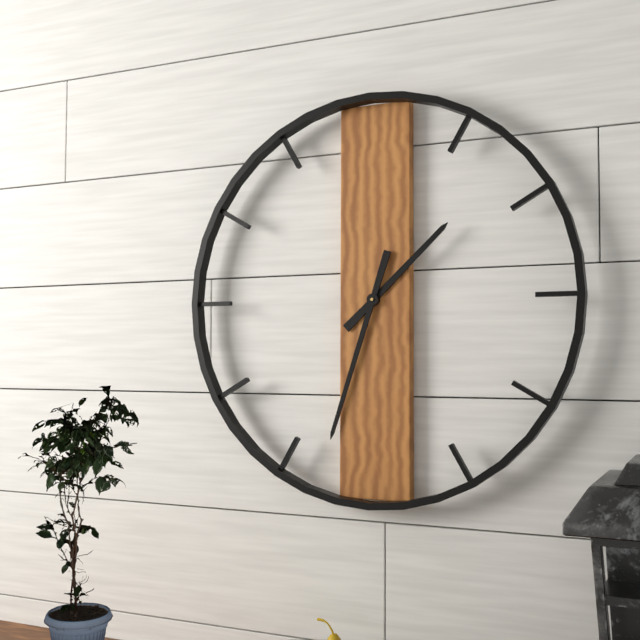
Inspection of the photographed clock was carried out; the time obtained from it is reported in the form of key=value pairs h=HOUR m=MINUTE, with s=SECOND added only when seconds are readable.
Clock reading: h=1 m=33
